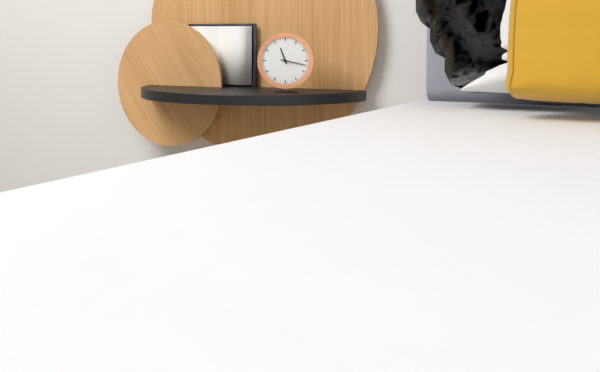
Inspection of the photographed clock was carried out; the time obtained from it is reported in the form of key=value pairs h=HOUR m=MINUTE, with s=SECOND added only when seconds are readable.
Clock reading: h=11 m=17
